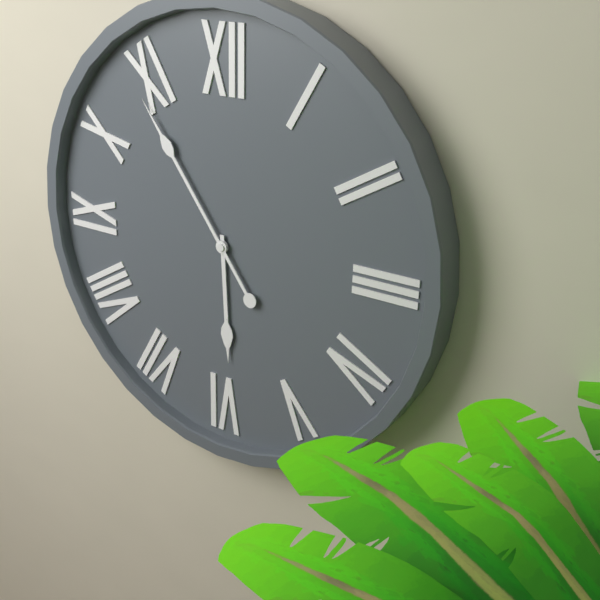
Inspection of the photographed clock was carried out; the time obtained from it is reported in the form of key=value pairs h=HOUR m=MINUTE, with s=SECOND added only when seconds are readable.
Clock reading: h=5 m=54
